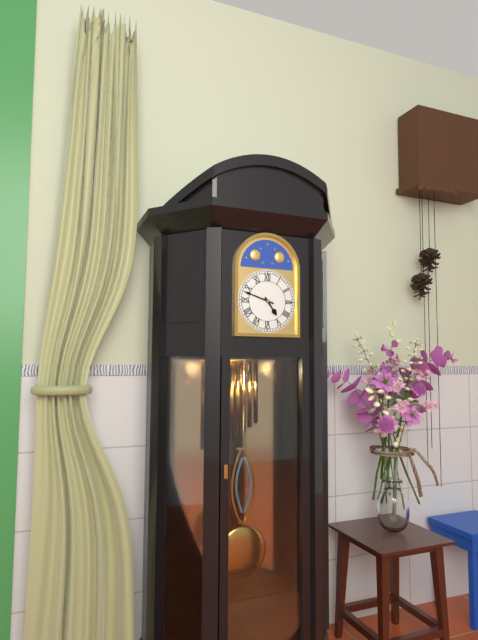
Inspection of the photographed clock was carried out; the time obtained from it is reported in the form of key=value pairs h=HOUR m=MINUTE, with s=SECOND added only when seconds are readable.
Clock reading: h=4 m=48
